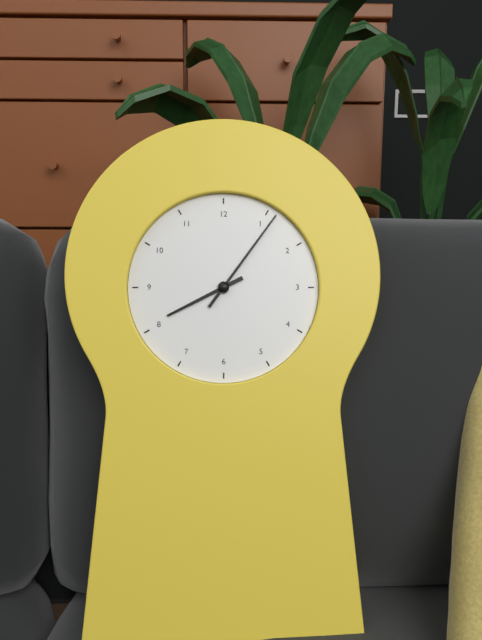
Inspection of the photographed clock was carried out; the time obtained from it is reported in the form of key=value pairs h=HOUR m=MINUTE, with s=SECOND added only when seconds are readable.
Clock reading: h=8 m=6
